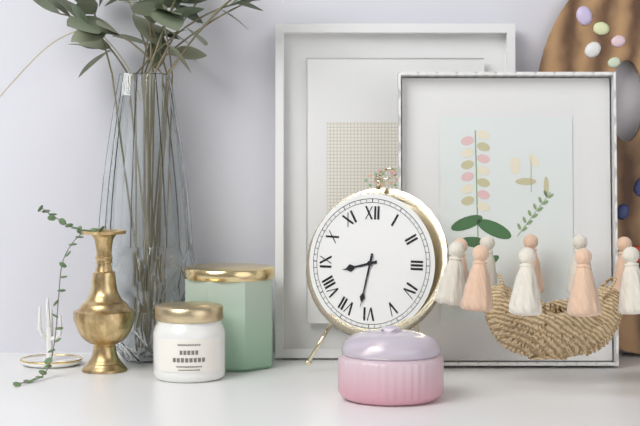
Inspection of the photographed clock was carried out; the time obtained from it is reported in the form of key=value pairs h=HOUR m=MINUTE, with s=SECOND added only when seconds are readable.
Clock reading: h=8 m=32
